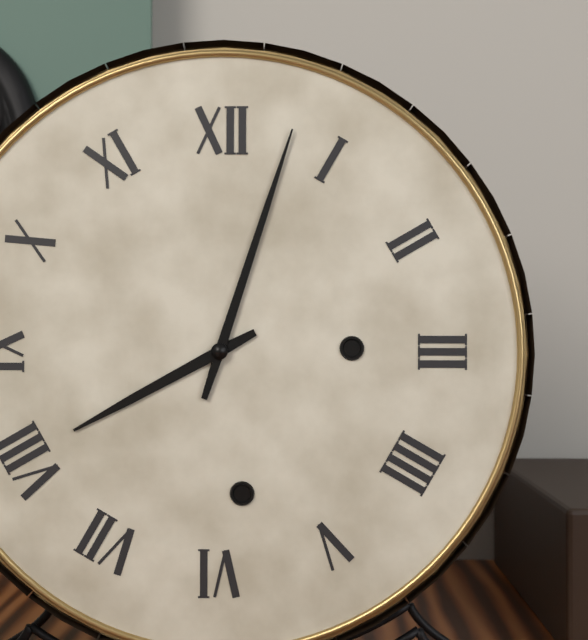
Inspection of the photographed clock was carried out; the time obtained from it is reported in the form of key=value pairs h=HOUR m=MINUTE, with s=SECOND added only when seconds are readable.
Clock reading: h=8 m=3
